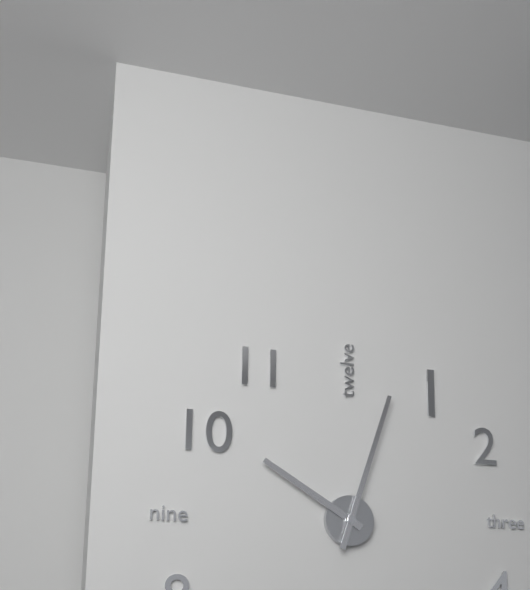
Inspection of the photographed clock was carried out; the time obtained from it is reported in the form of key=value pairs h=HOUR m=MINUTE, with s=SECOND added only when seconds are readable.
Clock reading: h=10 m=3
